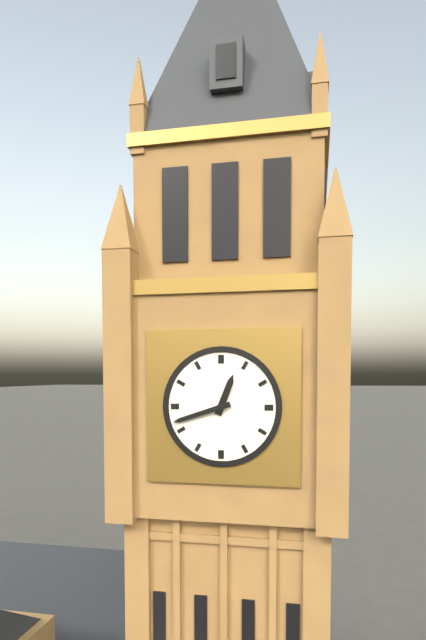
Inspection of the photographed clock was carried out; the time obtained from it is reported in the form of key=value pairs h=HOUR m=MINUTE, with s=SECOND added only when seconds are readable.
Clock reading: h=12 m=42
